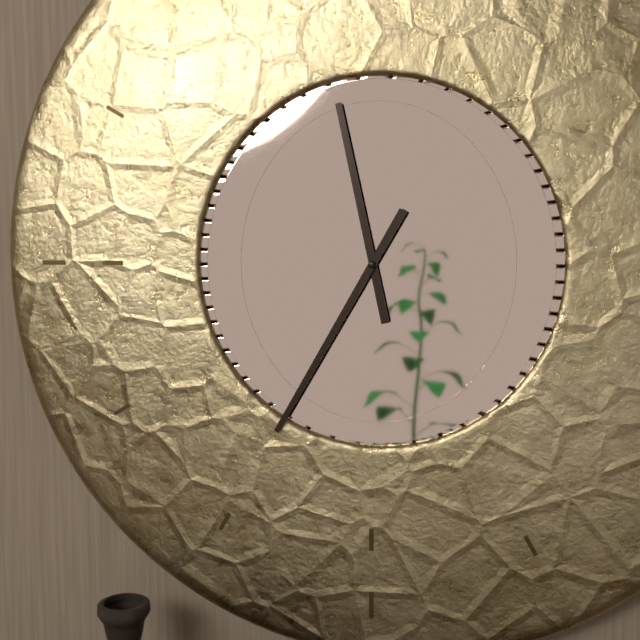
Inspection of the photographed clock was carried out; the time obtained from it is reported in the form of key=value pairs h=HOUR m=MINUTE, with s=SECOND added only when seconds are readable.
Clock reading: h=11 m=35
